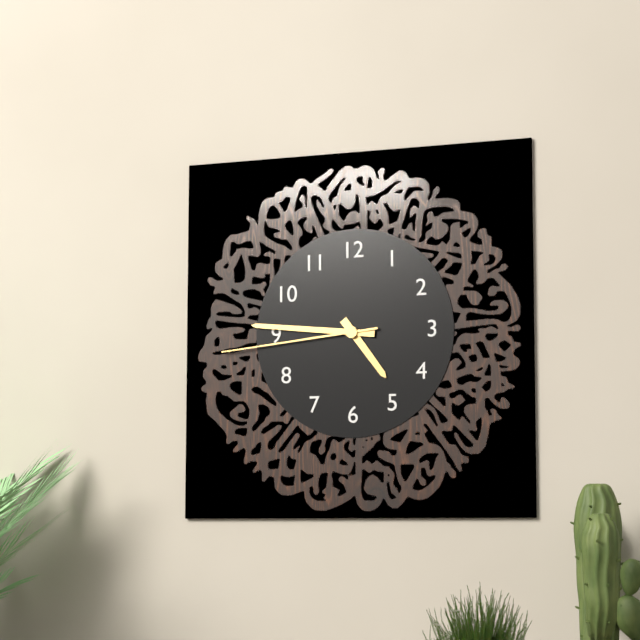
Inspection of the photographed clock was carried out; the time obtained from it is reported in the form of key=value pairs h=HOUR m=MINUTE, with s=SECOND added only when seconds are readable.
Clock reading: h=4 m=46 s=44
